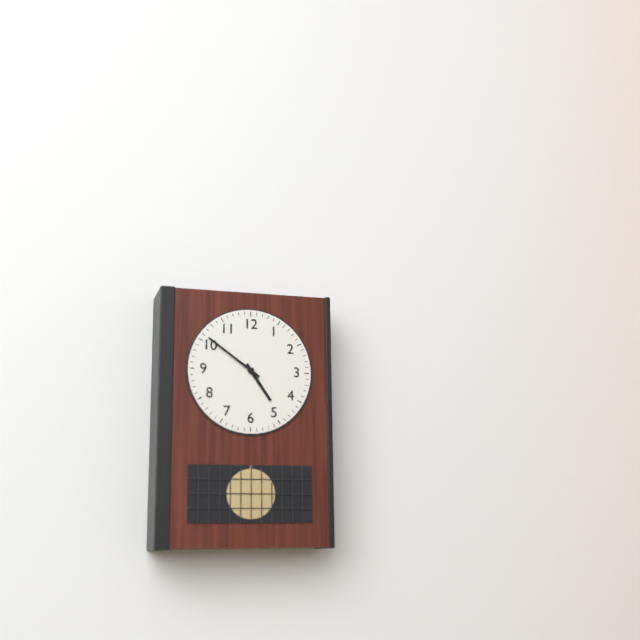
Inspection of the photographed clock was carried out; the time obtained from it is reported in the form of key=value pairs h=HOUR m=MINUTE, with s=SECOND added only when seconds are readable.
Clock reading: h=4 m=51
